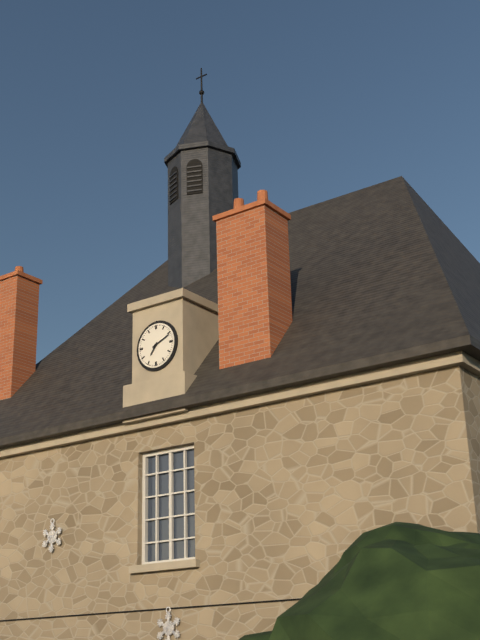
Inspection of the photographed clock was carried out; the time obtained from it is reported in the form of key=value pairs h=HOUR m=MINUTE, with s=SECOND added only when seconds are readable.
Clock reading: h=7 m=11
